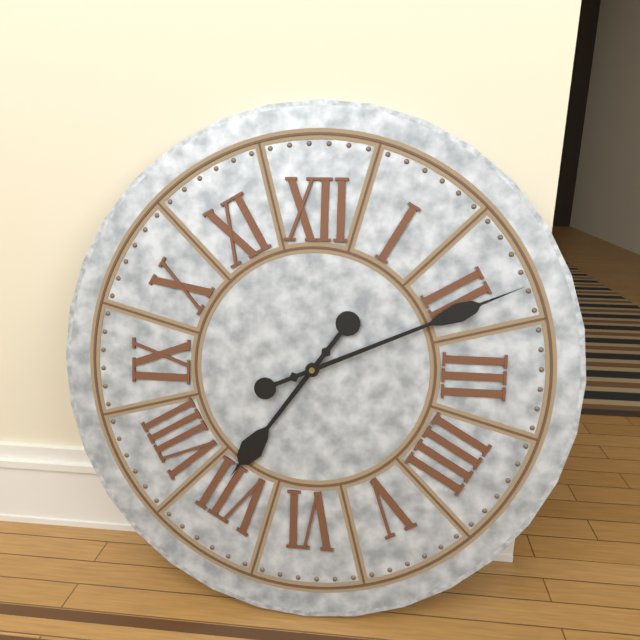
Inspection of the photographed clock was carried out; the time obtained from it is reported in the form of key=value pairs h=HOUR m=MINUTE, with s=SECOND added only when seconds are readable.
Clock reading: h=7 m=11
